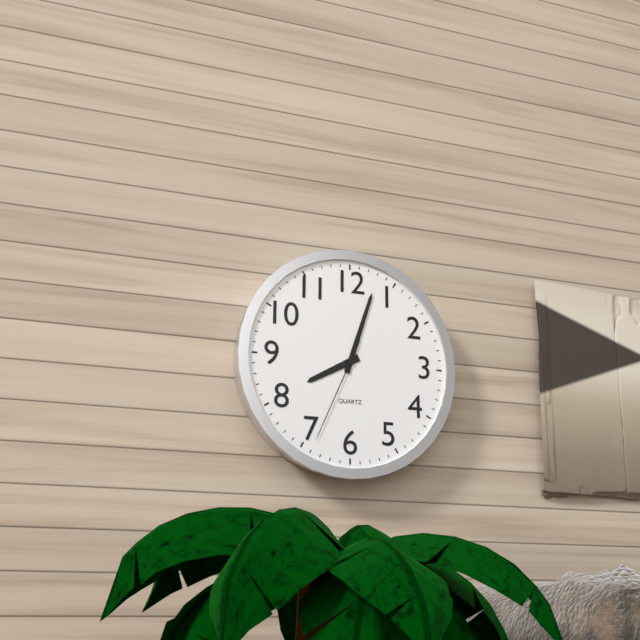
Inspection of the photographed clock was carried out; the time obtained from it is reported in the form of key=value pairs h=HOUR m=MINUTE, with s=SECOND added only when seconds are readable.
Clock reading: h=8 m=3 s=34
